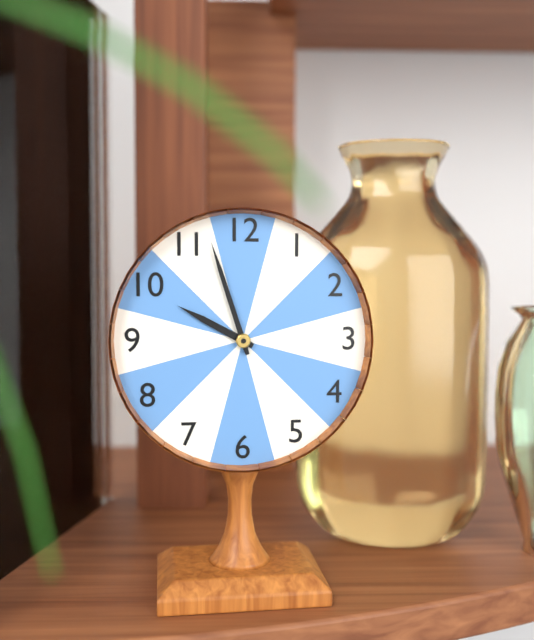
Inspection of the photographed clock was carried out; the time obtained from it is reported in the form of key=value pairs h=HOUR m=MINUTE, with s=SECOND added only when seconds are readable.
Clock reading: h=9 m=57
